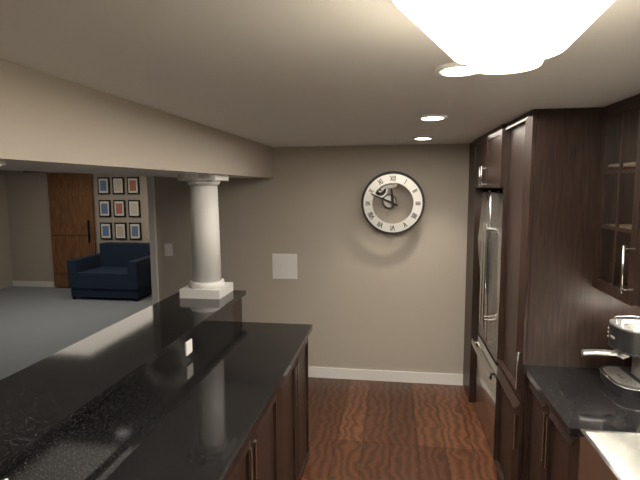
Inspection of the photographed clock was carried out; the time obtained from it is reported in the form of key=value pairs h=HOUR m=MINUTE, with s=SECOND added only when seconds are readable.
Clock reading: h=11 m=49
